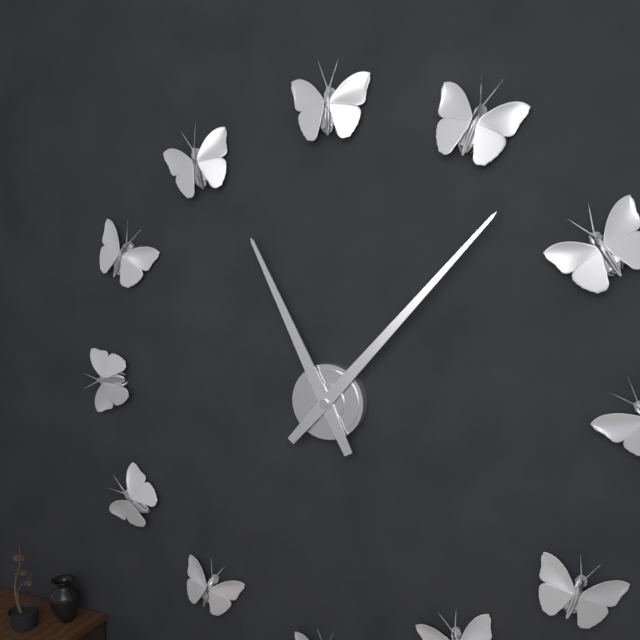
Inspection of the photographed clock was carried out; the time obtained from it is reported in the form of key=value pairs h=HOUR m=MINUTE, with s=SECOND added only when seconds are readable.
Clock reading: h=11 m=7
